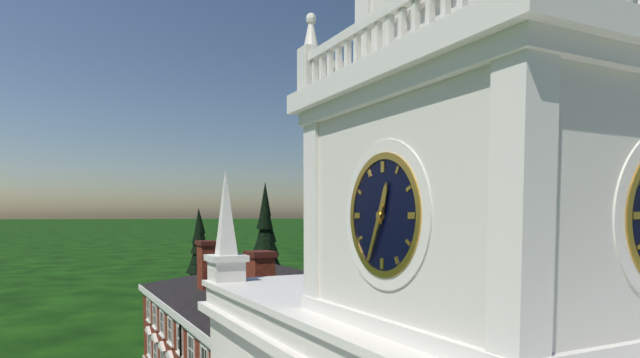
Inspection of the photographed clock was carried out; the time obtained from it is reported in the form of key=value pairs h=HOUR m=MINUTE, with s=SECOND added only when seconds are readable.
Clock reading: h=12 m=34
